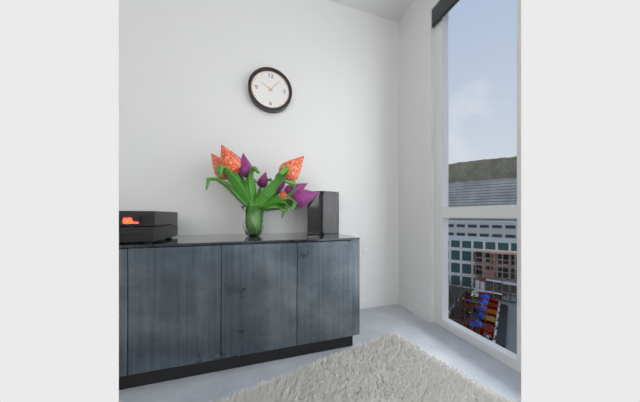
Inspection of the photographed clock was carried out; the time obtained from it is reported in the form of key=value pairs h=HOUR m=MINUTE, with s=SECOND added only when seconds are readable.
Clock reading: h=10 m=7
